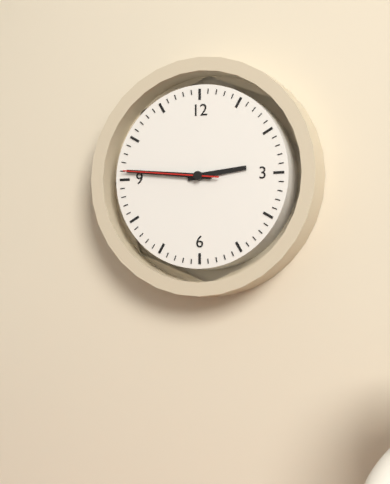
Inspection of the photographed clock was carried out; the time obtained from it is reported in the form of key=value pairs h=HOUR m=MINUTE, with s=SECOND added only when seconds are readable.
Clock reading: h=2 m=46 s=46
